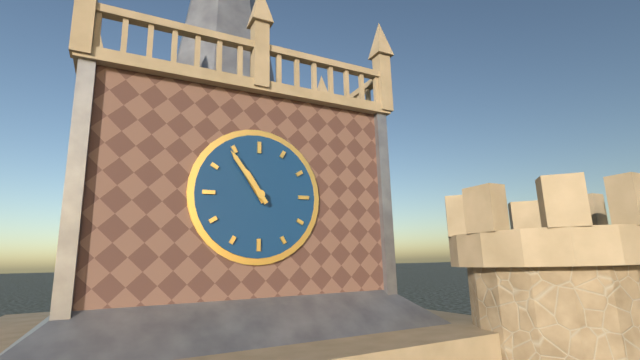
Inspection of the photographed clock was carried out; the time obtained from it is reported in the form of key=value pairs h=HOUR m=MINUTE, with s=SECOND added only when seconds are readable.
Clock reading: h=10 m=54
